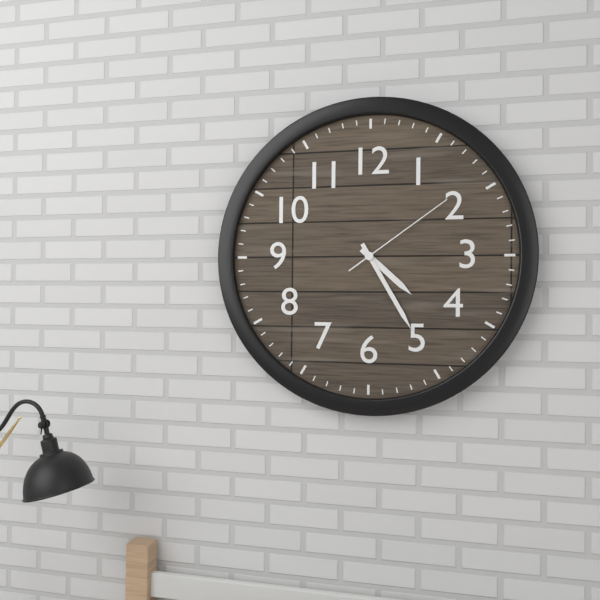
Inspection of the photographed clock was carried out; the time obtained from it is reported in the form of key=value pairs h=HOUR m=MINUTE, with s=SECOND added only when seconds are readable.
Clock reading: h=4 m=25 s=9
